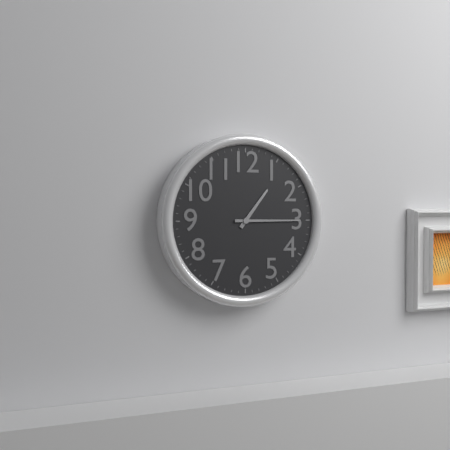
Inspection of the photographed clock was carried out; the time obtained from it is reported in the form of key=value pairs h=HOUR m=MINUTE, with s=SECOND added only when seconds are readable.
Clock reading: h=1 m=15
